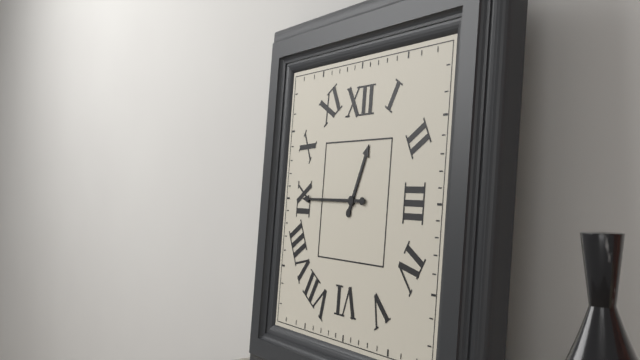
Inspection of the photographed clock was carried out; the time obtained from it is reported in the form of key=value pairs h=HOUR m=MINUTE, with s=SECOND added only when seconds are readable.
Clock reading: h=12 m=45
